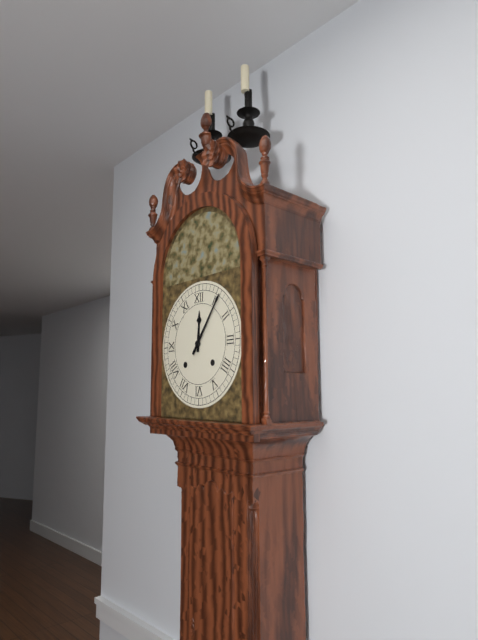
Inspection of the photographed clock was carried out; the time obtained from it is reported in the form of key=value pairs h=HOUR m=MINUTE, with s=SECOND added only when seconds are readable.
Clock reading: h=12 m=6
